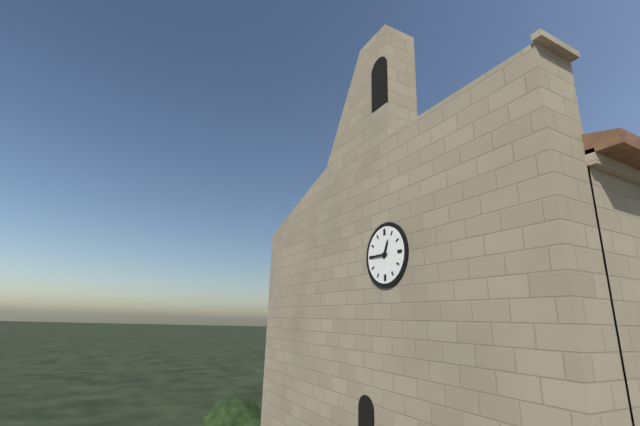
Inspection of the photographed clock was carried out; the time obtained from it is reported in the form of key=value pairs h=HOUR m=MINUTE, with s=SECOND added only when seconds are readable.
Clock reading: h=12 m=45
